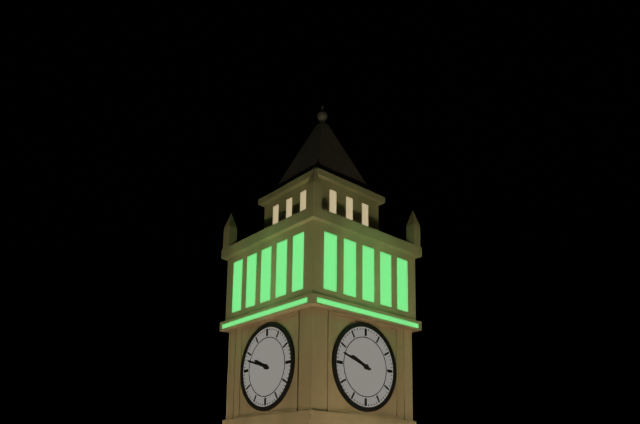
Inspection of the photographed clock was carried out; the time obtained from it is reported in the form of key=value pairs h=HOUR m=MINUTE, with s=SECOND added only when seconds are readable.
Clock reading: h=9 m=48
